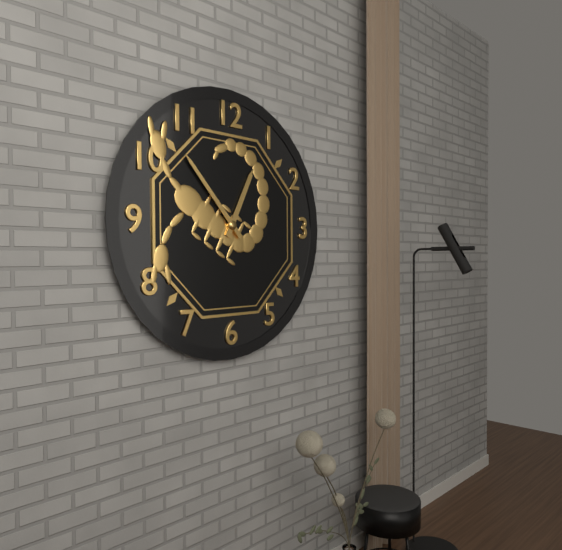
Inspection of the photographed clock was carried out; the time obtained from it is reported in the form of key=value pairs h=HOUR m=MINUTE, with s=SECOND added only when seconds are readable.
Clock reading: h=12 m=53
